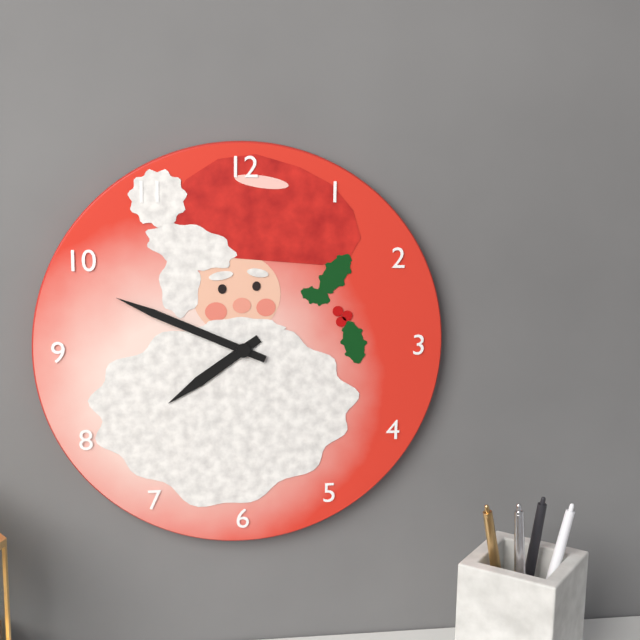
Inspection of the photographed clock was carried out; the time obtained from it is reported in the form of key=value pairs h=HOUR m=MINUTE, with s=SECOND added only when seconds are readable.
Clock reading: h=7 m=49
